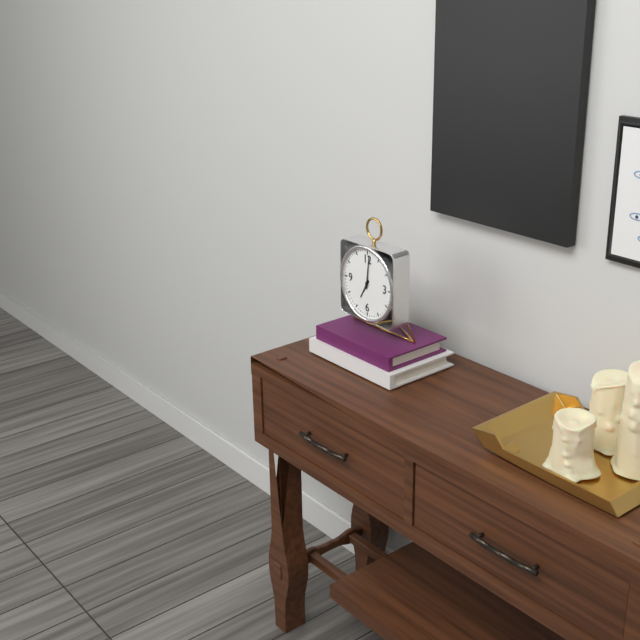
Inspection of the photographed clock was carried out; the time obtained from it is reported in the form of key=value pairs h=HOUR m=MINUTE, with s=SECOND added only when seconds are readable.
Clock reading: h=7 m=1
